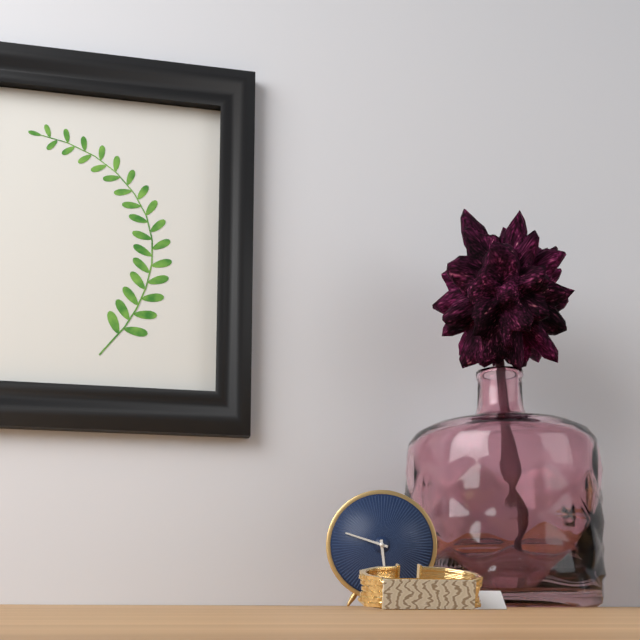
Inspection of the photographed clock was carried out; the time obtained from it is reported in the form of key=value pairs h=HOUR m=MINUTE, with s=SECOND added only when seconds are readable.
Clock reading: h=5 m=48
